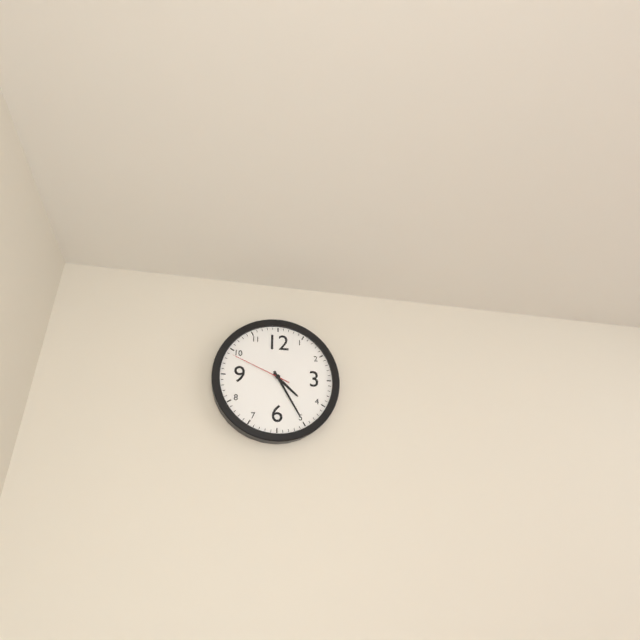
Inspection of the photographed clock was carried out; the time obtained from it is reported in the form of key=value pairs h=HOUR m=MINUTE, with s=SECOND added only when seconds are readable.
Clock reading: h=4 m=25 s=49
